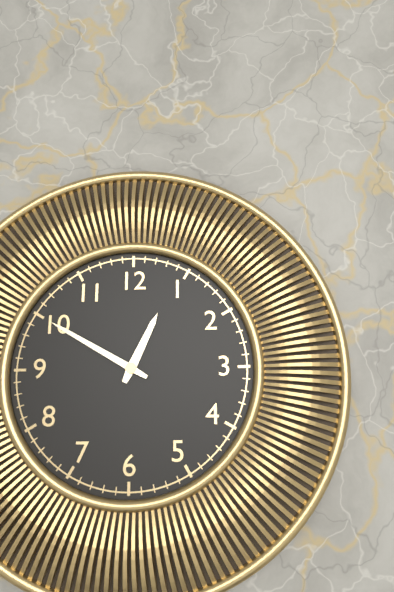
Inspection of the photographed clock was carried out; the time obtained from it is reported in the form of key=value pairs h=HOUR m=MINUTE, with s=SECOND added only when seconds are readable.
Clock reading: h=12 m=50
